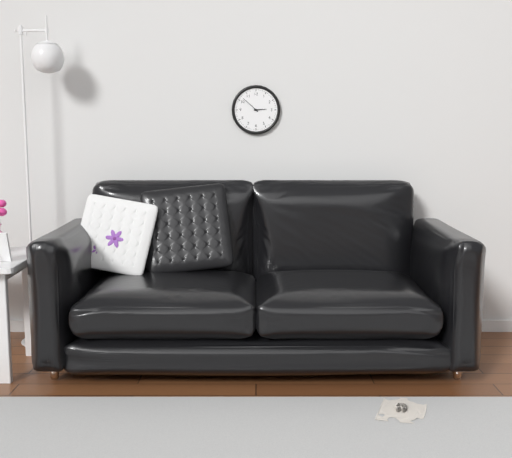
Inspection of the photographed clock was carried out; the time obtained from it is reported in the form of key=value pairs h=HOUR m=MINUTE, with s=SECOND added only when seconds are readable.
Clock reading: h=2 m=52
